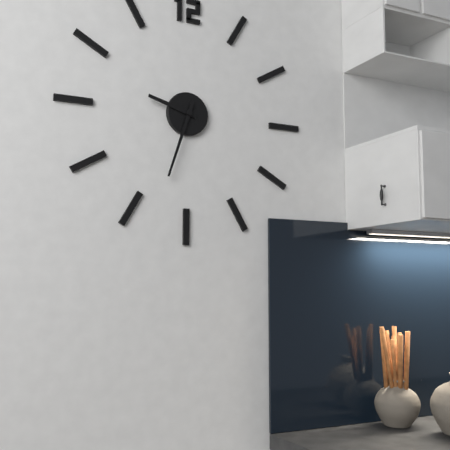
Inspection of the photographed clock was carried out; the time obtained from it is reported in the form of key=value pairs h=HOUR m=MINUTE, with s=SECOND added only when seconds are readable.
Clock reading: h=9 m=33
